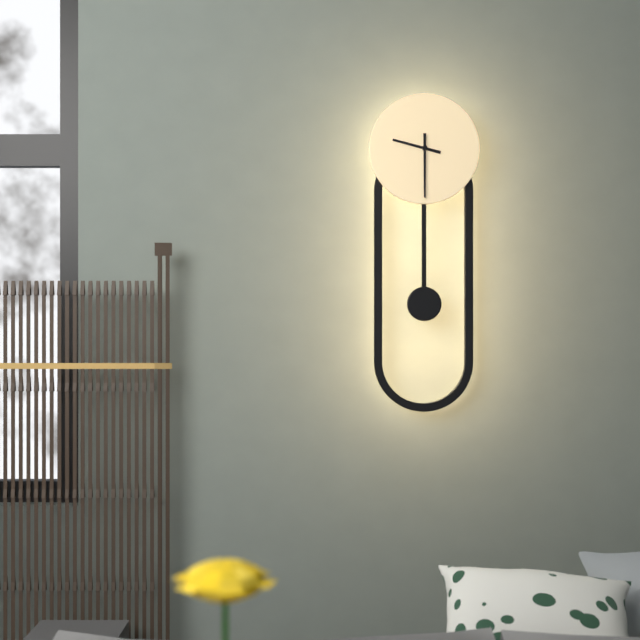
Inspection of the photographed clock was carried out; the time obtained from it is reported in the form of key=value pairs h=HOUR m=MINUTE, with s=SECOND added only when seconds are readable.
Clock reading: h=9 m=30
